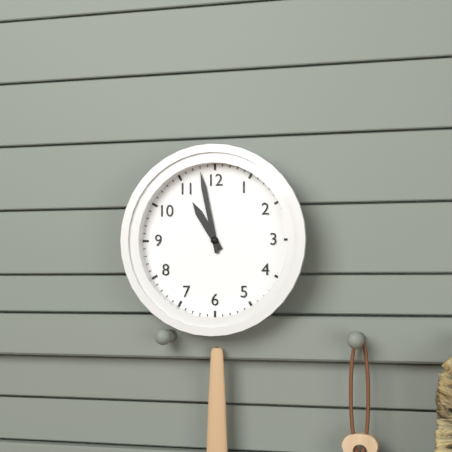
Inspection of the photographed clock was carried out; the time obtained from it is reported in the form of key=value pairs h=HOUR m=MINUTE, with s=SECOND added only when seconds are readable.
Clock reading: h=10 m=58
